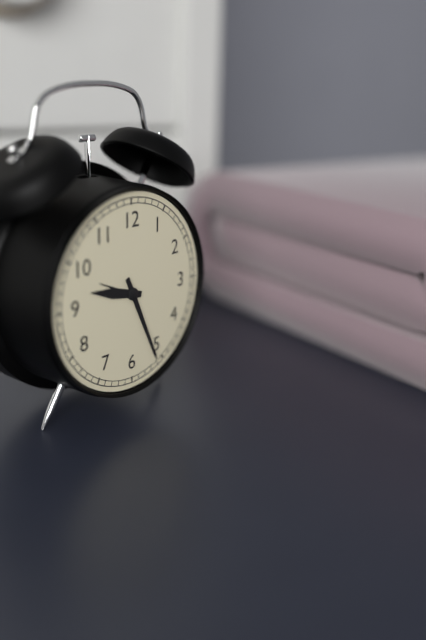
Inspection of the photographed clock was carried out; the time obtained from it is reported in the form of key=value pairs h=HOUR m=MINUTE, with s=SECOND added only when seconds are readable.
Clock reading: h=9 m=26
